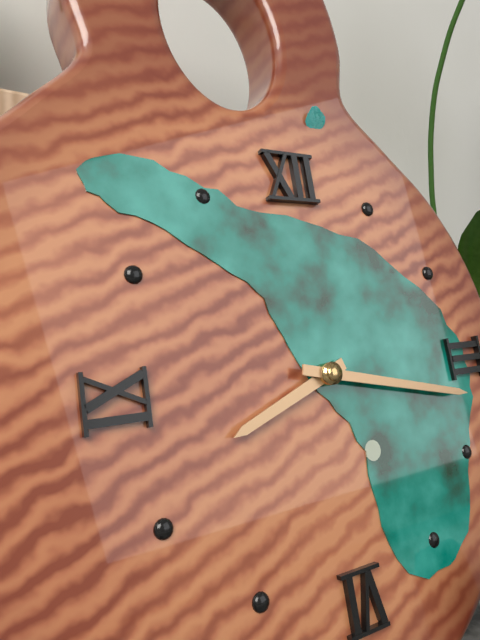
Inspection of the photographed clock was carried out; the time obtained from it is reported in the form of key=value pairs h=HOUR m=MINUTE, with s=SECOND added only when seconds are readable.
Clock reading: h=8 m=17
